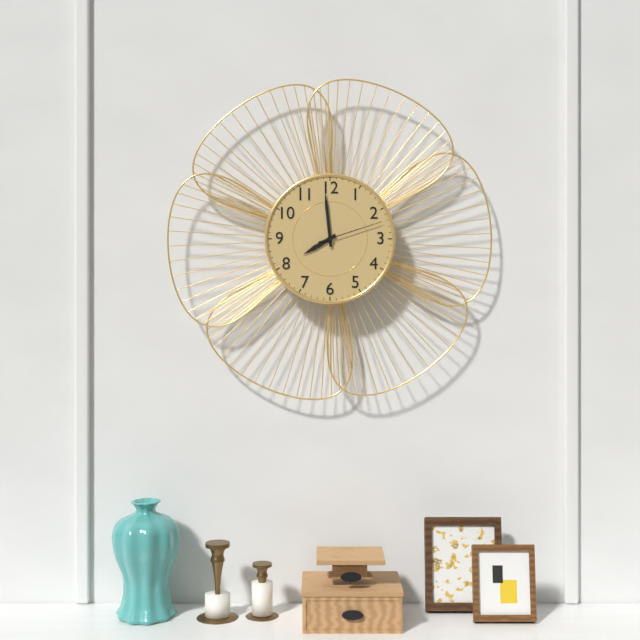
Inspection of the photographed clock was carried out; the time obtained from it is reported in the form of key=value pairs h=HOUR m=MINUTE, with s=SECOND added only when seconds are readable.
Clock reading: h=7 m=59 s=12
